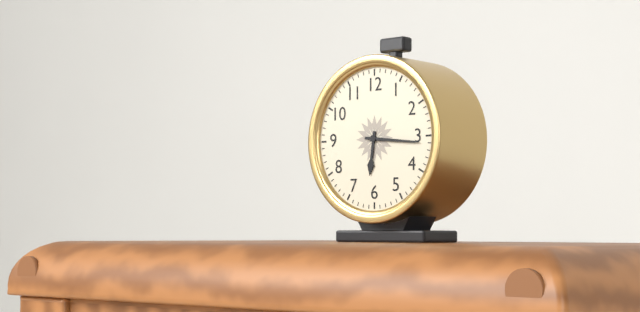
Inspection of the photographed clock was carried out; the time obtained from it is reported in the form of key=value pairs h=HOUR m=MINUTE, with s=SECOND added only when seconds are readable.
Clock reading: h=6 m=16
